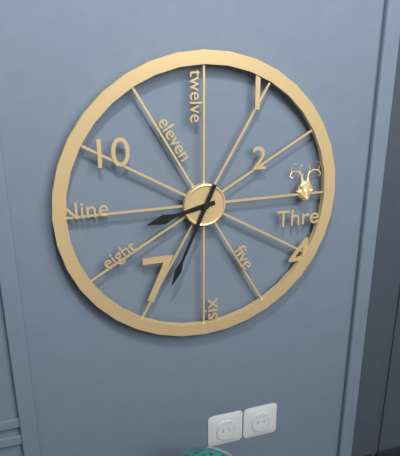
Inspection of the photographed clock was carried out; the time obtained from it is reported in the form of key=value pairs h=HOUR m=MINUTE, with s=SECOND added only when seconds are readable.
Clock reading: h=8 m=34
